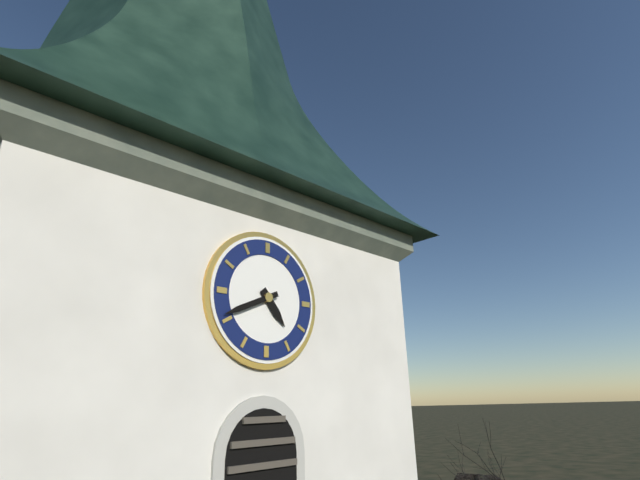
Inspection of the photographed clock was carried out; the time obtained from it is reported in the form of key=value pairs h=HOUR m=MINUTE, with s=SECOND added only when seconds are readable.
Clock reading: h=4 m=41
